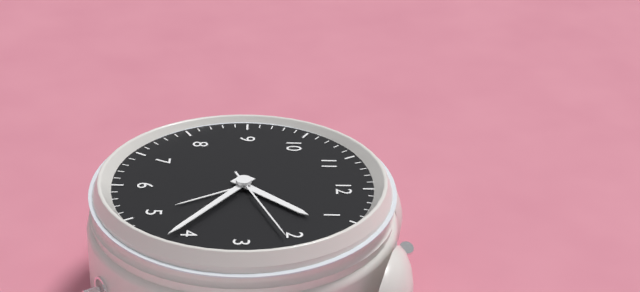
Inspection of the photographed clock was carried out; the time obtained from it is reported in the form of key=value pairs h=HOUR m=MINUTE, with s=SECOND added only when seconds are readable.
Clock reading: h=1 m=21 s=11
